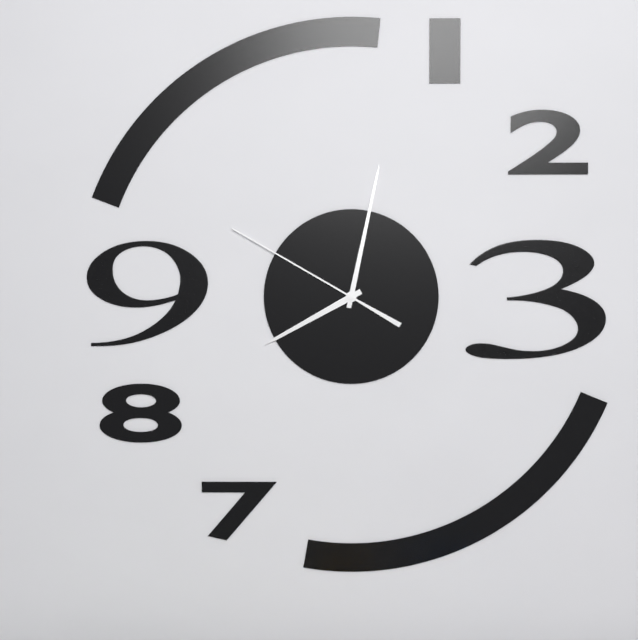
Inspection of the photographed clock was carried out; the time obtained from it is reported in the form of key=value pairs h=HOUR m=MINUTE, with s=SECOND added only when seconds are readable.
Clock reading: h=8 m=2 s=50
